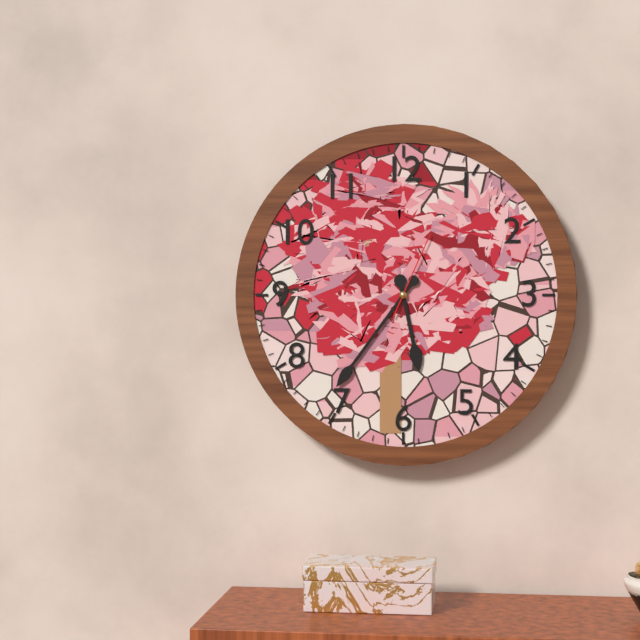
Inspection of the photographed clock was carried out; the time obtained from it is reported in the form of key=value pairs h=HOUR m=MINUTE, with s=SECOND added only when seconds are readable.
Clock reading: h=5 m=36 s=4
